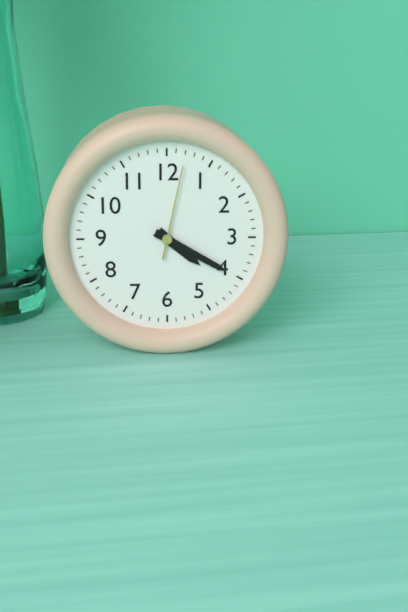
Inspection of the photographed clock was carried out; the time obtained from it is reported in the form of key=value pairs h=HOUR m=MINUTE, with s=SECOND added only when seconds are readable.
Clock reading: h=4 m=20 s=2
